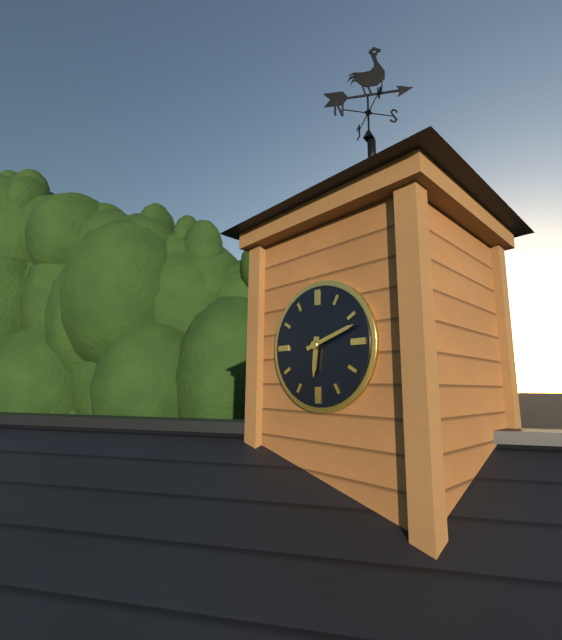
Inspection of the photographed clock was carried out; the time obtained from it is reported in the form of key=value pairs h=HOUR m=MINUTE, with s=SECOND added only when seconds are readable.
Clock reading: h=6 m=12
